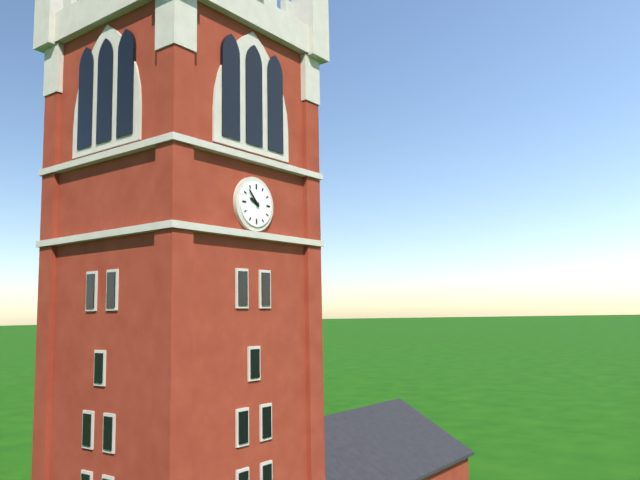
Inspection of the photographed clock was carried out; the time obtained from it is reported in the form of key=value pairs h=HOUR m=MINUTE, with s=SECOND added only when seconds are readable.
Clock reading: h=9 m=53
